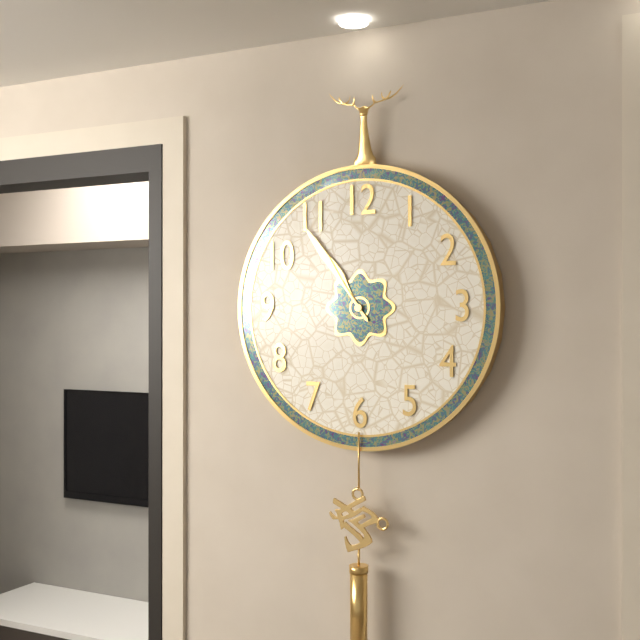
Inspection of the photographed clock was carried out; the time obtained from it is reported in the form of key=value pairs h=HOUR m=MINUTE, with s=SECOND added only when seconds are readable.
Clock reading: h=10 m=54
